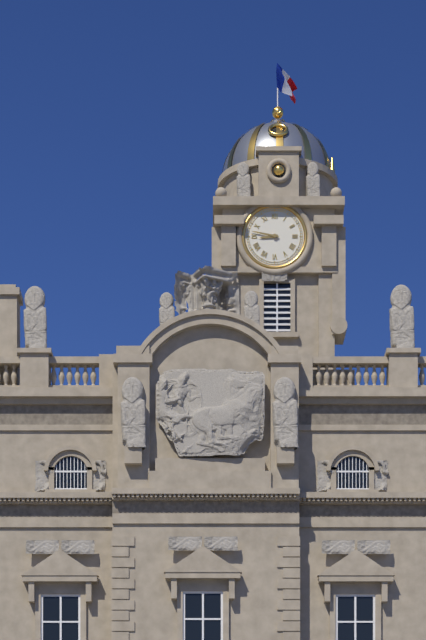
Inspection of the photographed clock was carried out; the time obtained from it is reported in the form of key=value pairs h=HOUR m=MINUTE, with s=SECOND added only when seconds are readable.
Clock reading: h=8 m=47
